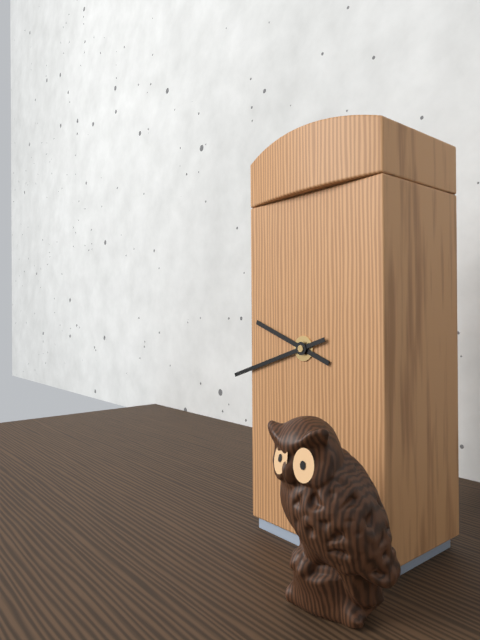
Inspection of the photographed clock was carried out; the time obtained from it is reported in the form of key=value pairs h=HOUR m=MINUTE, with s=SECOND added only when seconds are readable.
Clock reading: h=9 m=42
